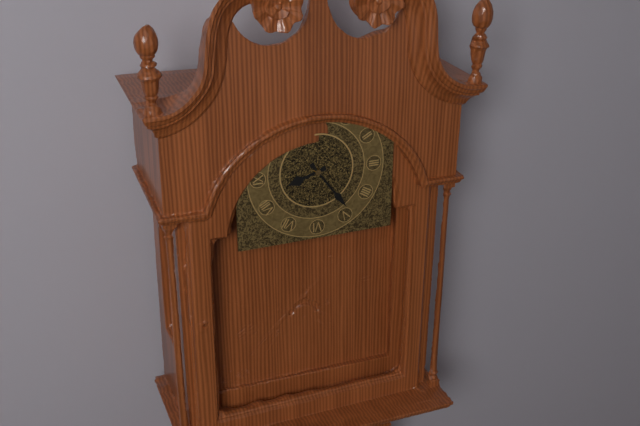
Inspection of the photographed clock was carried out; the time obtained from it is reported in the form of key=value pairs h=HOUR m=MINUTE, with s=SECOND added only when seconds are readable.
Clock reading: h=8 m=24
